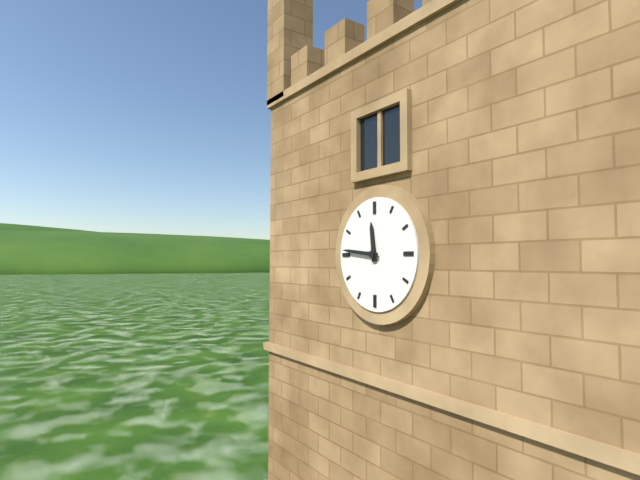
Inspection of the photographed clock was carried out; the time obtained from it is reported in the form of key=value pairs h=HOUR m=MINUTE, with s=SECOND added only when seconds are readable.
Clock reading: h=11 m=46
